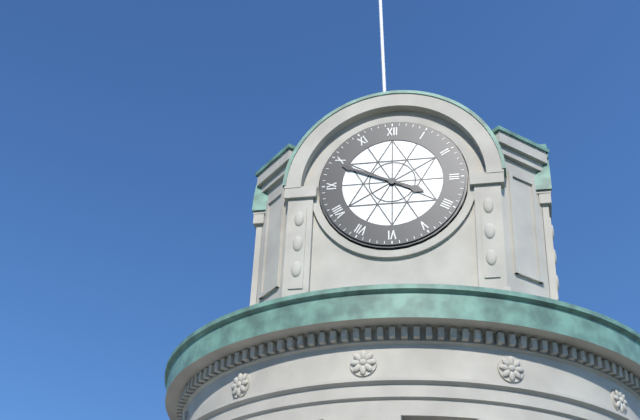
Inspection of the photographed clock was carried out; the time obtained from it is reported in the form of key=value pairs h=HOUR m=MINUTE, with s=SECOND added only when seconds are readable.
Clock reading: h=3 m=49
